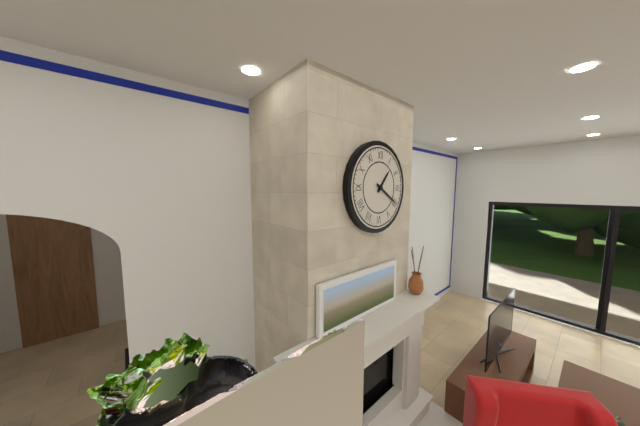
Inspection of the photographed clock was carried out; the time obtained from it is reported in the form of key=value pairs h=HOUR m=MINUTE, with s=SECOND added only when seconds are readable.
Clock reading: h=1 m=20
